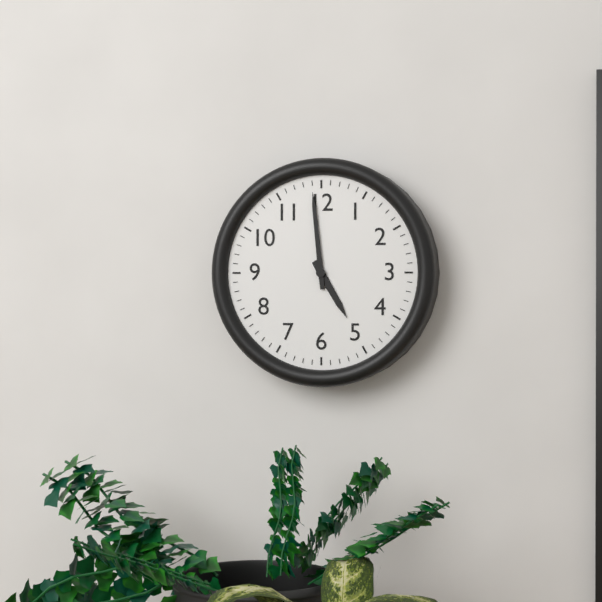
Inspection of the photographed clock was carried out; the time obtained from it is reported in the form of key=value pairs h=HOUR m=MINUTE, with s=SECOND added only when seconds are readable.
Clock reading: h=4 m=59
